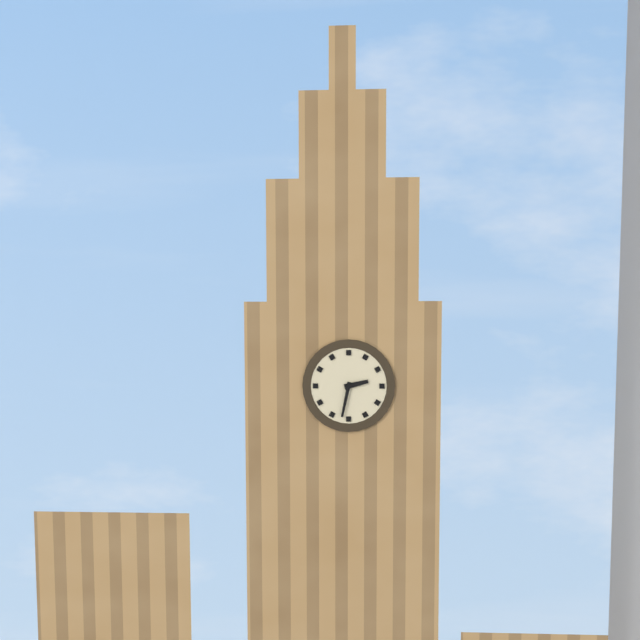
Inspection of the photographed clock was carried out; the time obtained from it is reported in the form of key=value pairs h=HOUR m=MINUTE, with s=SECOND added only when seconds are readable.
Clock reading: h=2 m=32
